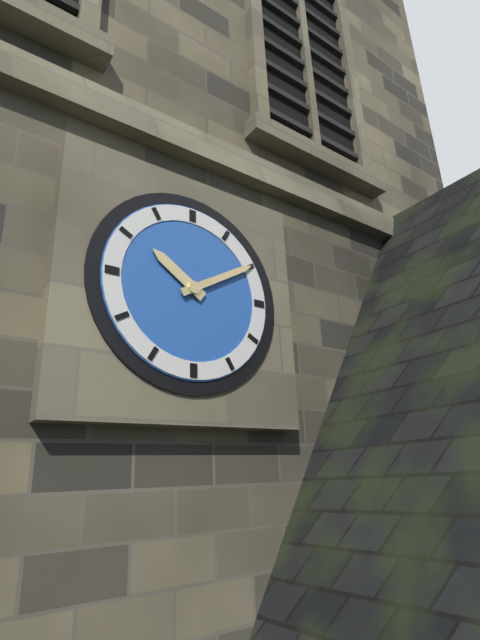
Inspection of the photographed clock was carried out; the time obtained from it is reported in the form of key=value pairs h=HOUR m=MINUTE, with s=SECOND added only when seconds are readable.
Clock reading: h=10 m=10
